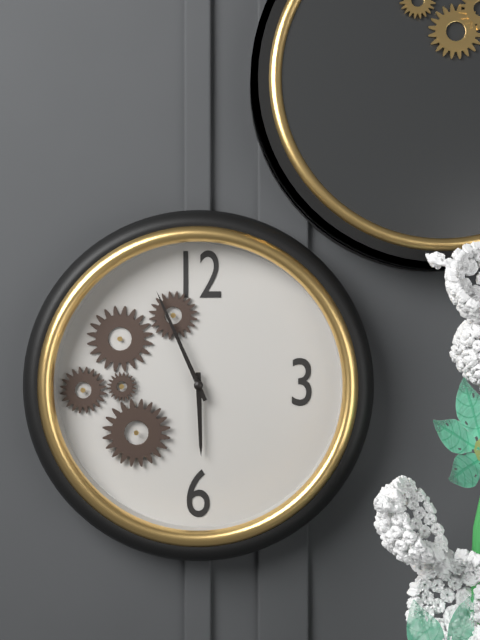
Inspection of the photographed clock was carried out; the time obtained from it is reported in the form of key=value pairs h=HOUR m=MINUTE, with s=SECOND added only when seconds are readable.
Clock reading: h=5 m=56
